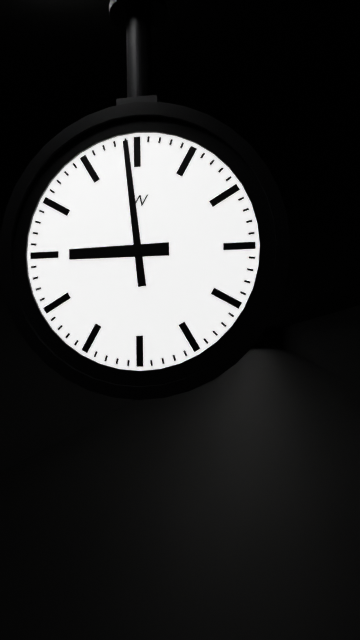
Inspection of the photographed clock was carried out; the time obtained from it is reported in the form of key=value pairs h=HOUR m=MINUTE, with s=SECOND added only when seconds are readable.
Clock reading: h=8 m=59
